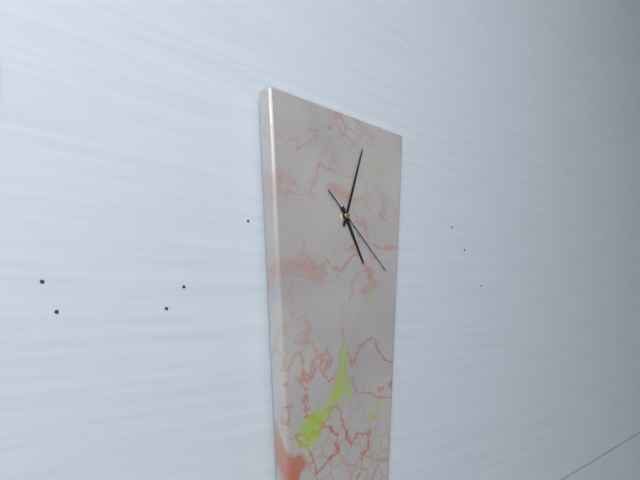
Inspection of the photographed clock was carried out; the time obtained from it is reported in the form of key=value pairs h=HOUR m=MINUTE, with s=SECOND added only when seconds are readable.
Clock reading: h=5 m=3 s=22
